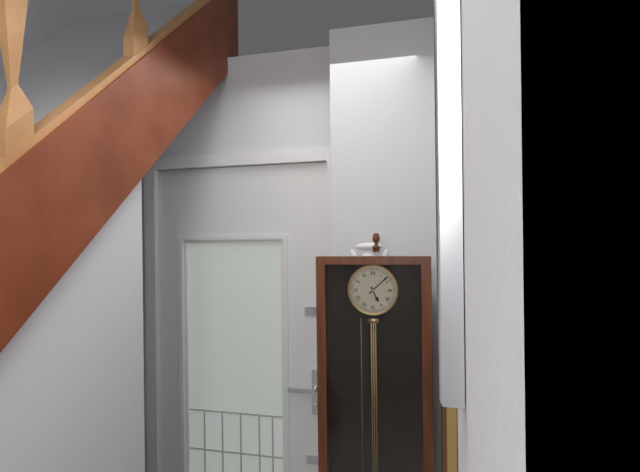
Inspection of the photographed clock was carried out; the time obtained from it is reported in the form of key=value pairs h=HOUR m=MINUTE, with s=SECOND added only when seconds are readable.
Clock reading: h=5 m=8
